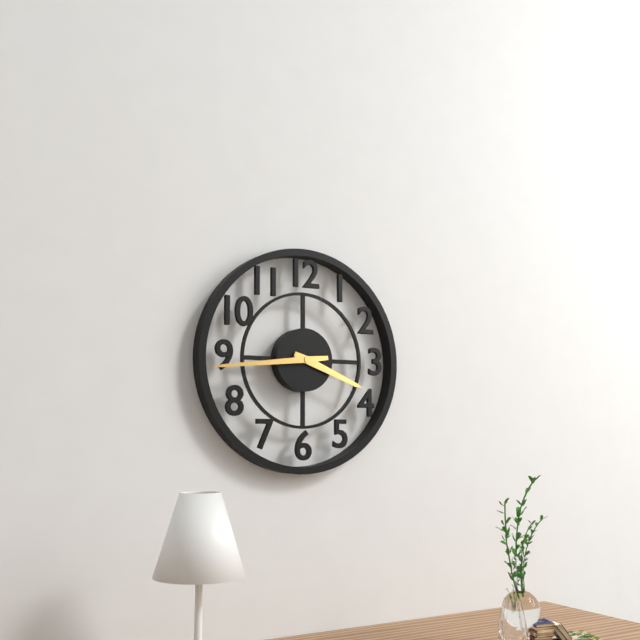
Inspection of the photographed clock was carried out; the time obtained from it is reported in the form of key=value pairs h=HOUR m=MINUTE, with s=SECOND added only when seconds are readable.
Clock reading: h=3 m=44
